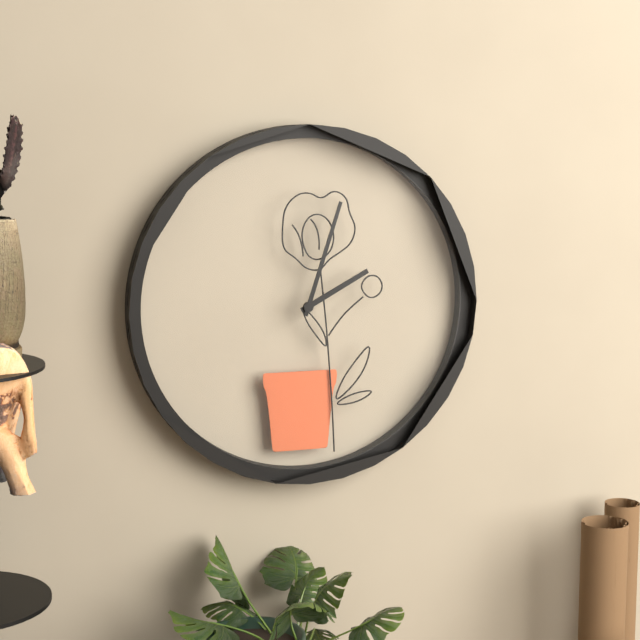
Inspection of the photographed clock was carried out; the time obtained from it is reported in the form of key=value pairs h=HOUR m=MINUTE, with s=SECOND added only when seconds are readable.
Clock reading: h=2 m=3
